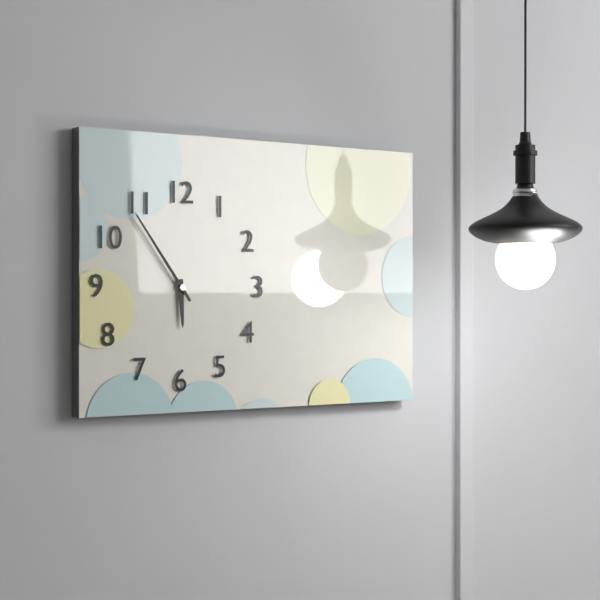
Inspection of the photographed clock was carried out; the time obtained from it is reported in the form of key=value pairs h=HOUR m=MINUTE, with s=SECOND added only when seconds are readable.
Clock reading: h=5 m=54
